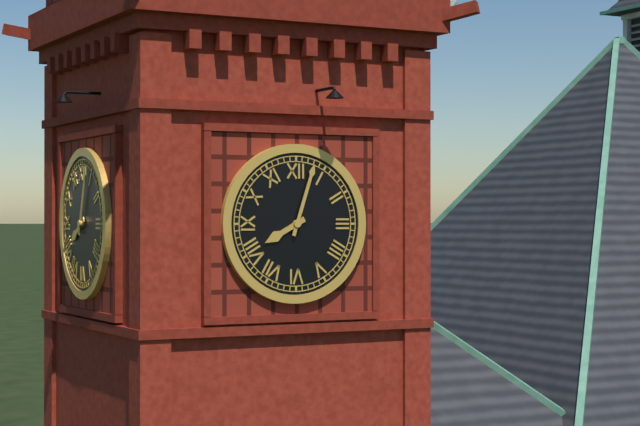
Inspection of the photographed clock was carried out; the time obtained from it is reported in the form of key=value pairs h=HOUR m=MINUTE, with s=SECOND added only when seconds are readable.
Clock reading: h=8 m=3
